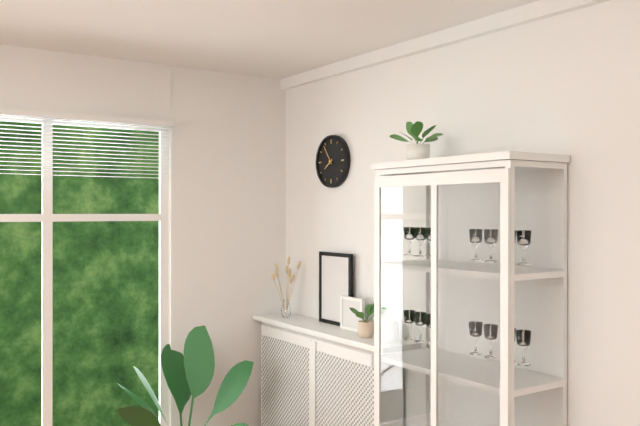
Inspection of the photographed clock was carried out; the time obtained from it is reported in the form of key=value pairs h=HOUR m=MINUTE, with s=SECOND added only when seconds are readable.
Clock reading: h=7 m=54
